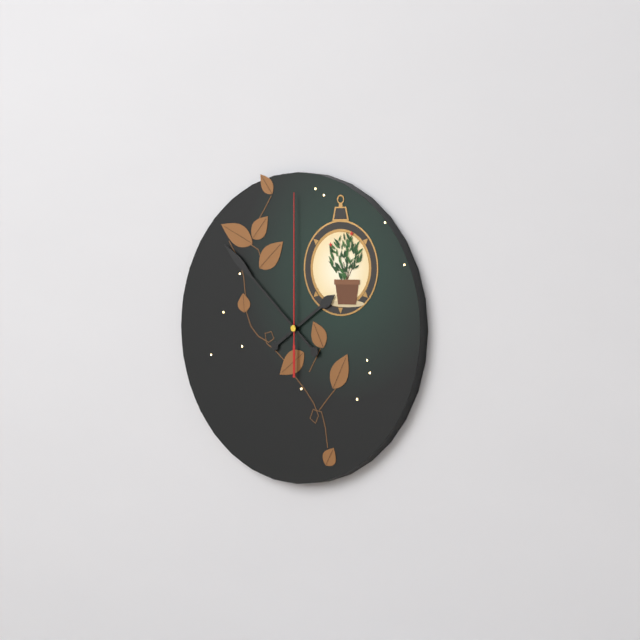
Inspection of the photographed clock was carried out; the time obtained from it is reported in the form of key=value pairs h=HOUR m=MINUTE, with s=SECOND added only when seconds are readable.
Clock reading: h=1 m=52 s=0
